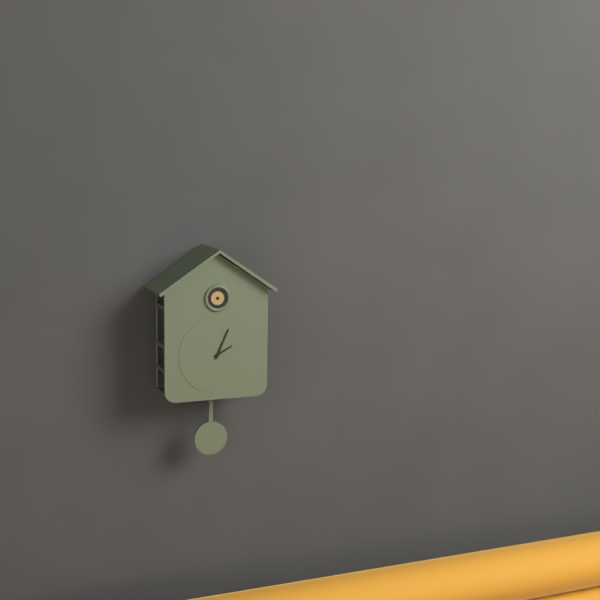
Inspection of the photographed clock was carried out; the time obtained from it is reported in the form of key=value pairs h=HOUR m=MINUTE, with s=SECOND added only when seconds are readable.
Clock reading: h=2 m=4
